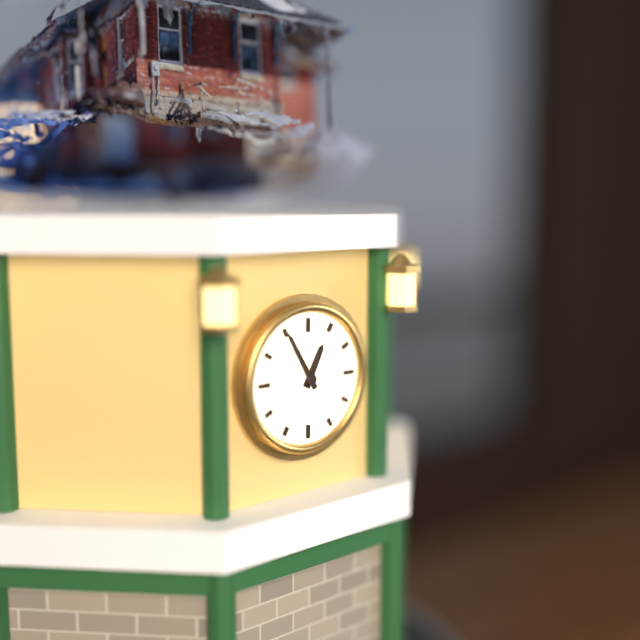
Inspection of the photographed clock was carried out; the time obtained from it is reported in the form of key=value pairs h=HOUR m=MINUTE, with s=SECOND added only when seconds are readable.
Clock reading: h=12 m=55
